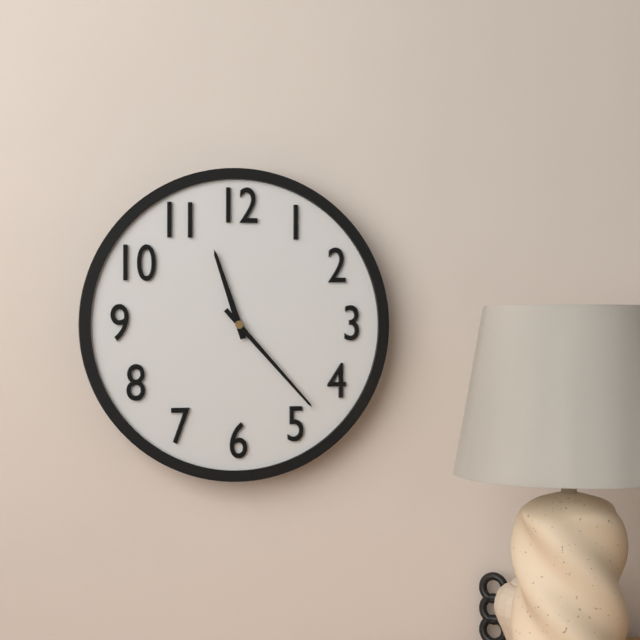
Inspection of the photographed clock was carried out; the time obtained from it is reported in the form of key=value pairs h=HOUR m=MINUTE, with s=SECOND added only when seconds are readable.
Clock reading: h=11 m=23
